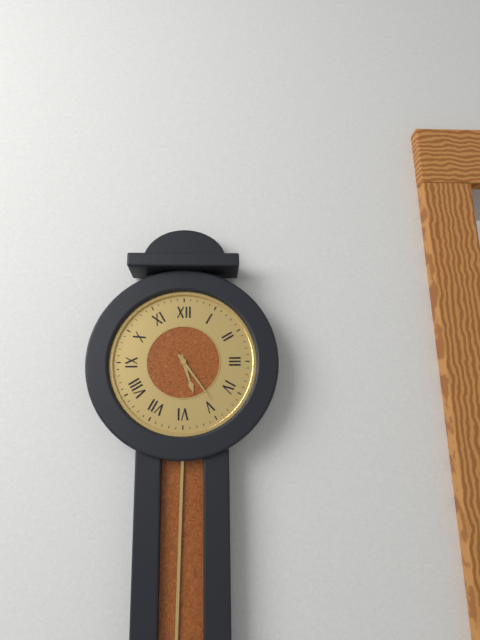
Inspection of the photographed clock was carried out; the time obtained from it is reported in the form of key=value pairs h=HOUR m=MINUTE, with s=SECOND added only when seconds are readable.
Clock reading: h=5 m=24
